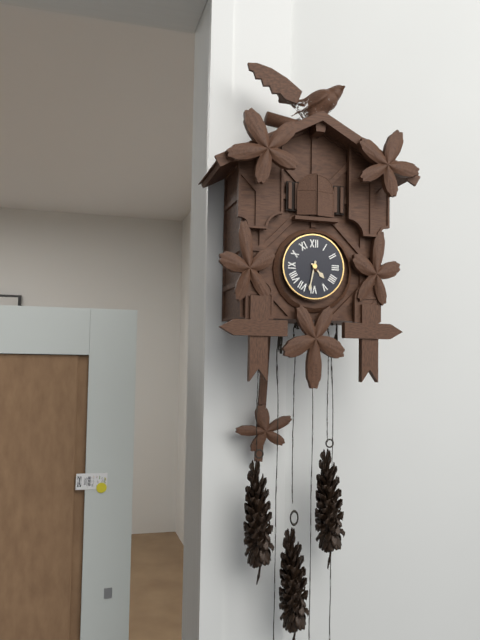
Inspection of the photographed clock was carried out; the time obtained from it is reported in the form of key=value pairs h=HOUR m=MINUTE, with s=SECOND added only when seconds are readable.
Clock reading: h=4 m=32
